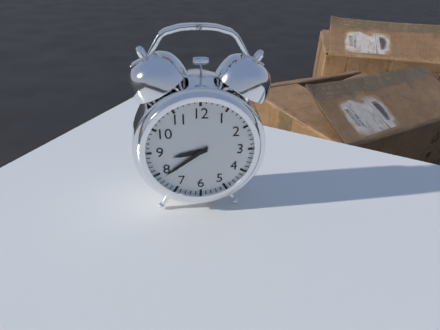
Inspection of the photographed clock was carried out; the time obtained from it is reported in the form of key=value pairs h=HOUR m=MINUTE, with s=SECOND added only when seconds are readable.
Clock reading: h=8 m=39
